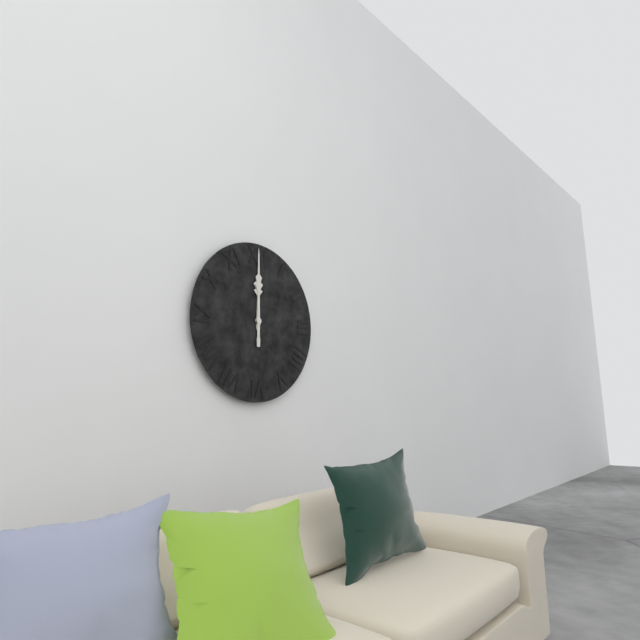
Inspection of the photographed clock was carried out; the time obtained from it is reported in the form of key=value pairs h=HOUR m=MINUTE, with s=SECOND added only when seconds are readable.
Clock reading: h=12 m=0
